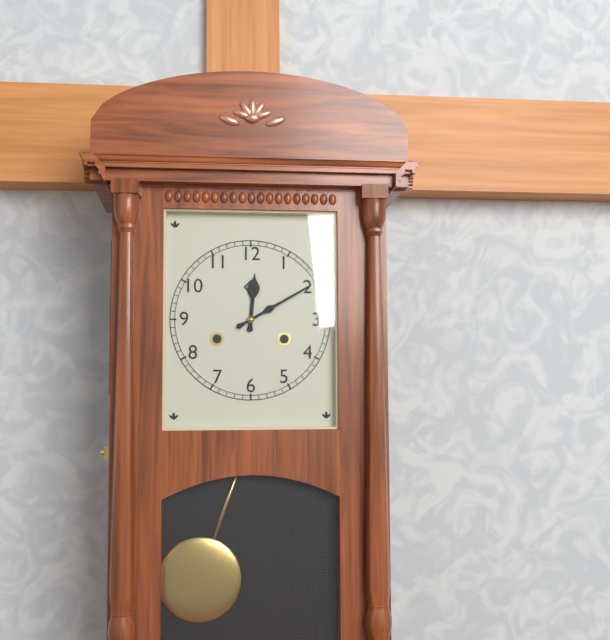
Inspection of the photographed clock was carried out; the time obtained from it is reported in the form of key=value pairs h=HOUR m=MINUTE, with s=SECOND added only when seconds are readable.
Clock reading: h=12 m=10
